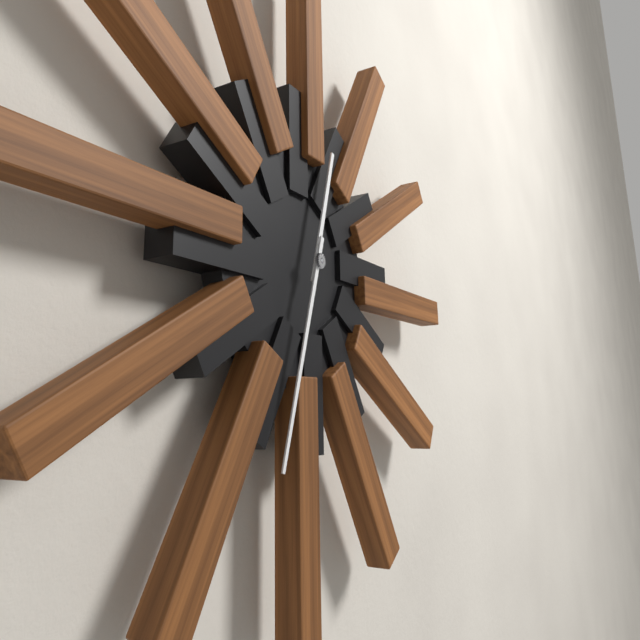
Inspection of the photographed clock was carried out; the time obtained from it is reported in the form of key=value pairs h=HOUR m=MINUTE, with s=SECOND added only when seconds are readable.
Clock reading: h=12 m=33
